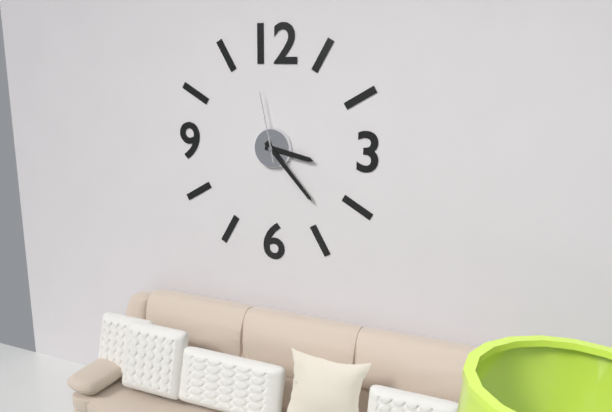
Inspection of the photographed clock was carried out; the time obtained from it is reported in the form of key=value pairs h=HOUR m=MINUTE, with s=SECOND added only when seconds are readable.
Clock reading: h=3 m=23 s=58
